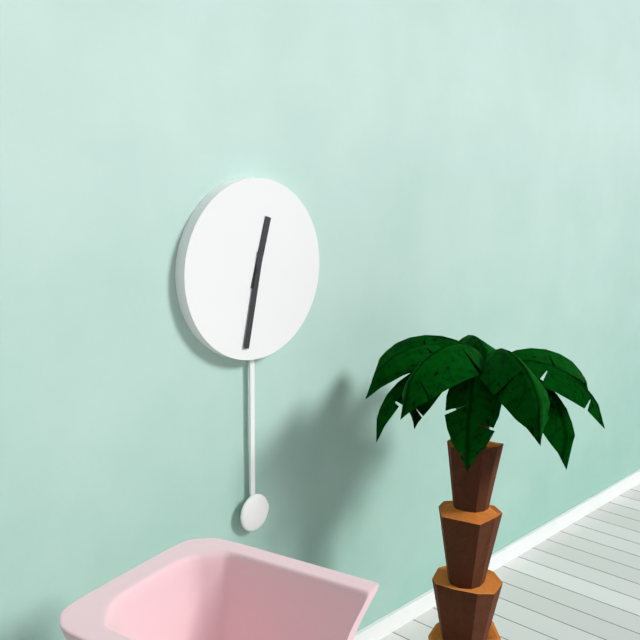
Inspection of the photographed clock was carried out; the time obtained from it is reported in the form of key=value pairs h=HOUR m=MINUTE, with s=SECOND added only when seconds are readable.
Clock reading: h=12 m=32
